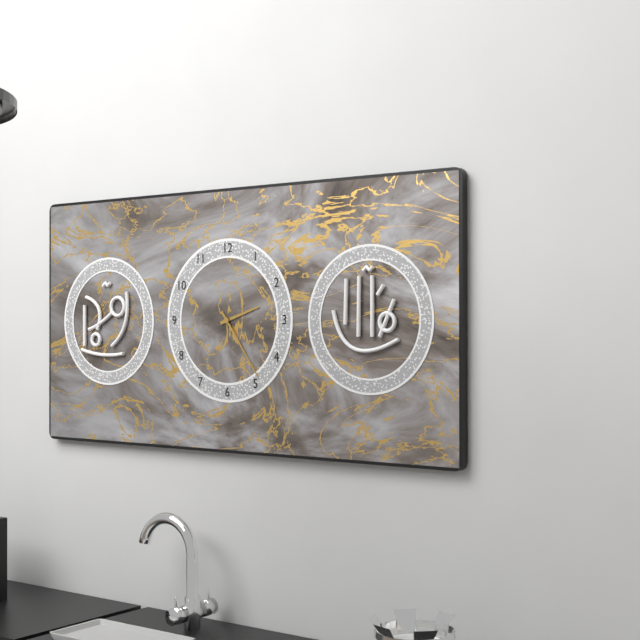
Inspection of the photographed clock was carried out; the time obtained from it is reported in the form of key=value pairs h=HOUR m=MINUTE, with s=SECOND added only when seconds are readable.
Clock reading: h=2 m=24
